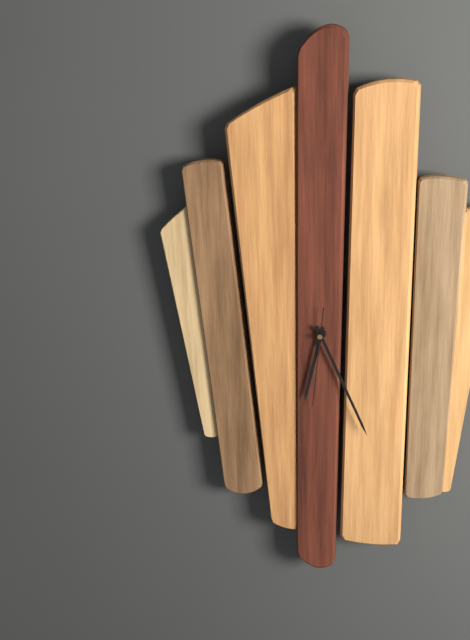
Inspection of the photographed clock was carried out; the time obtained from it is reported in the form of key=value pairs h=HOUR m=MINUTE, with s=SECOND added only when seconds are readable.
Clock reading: h=6 m=26 s=31
